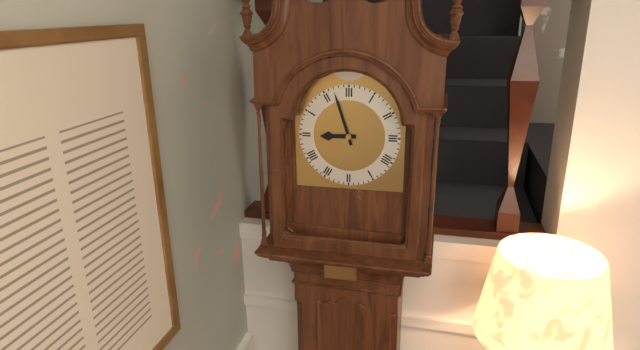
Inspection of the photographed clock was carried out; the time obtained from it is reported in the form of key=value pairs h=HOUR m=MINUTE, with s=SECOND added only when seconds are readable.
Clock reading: h=8 m=57
